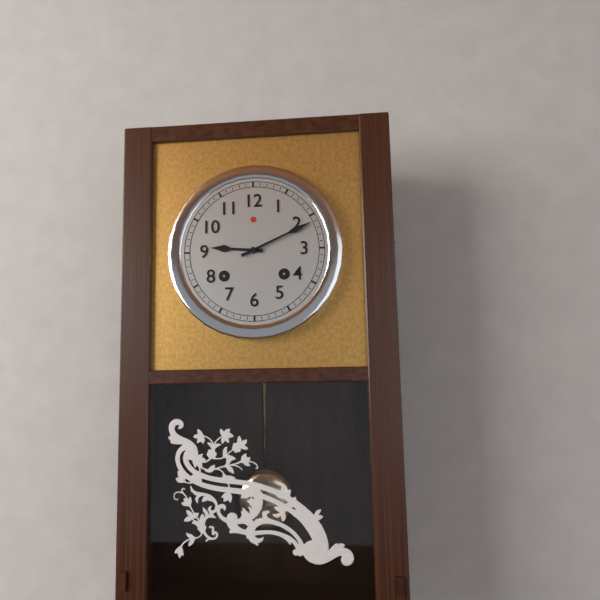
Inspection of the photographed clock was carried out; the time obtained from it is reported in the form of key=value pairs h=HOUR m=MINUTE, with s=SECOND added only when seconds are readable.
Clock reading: h=9 m=11
